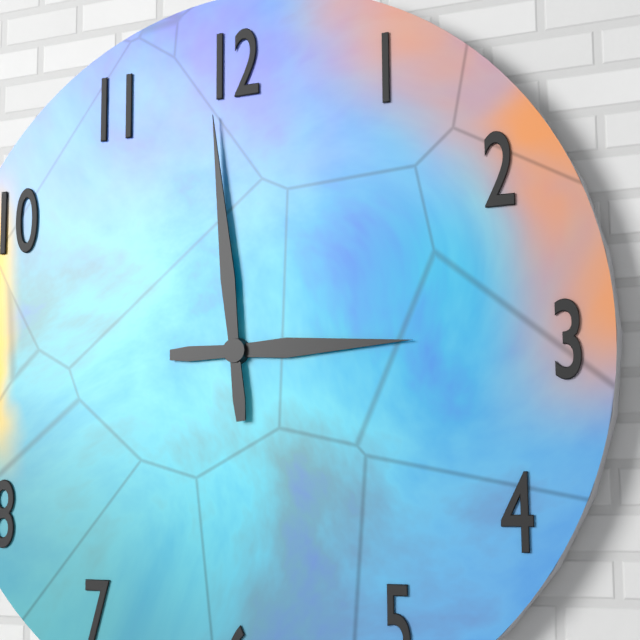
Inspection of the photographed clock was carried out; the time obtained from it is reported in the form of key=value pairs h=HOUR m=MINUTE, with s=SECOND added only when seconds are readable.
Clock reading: h=2 m=59
